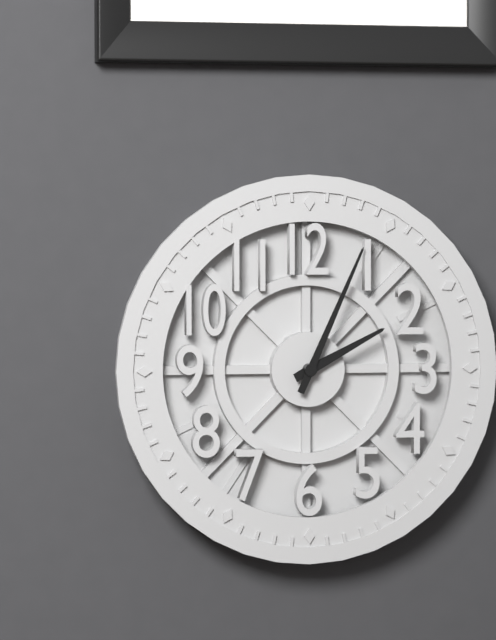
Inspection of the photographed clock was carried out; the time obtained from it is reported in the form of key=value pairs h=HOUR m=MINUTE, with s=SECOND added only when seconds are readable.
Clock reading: h=2 m=4
